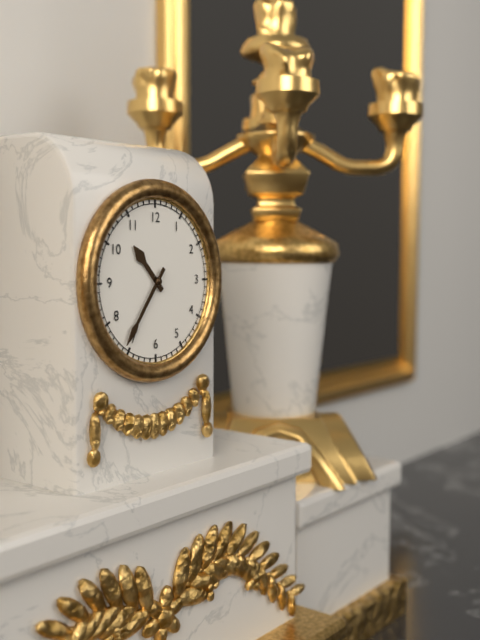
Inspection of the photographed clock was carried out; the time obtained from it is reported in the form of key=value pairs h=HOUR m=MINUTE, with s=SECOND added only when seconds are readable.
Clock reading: h=10 m=36
